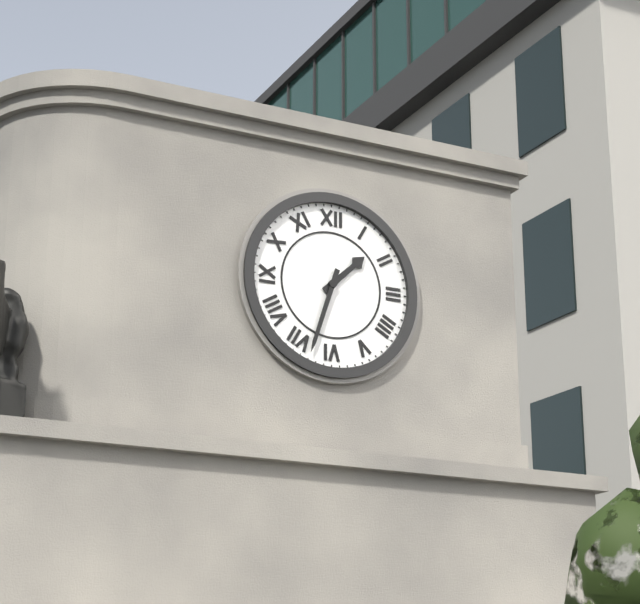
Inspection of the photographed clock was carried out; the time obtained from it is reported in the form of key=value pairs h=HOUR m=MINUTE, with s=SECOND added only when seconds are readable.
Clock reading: h=1 m=33
